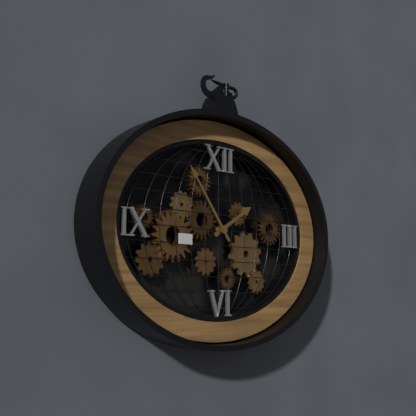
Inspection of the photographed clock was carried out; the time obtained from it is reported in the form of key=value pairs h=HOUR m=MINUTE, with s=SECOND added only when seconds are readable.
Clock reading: h=1 m=54
